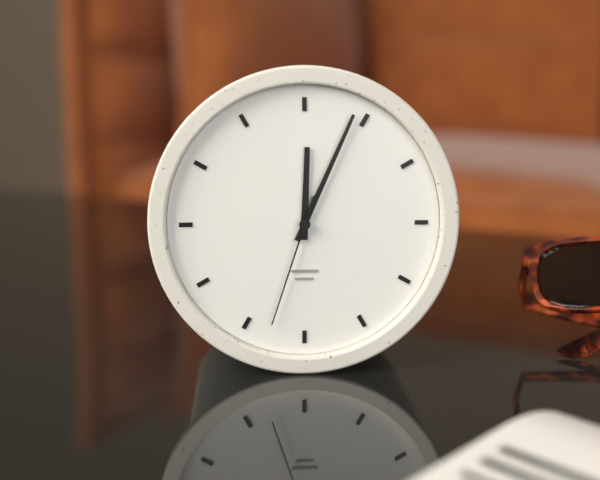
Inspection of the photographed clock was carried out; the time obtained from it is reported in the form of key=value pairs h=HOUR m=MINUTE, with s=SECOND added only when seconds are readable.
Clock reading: h=12 m=4 s=33
